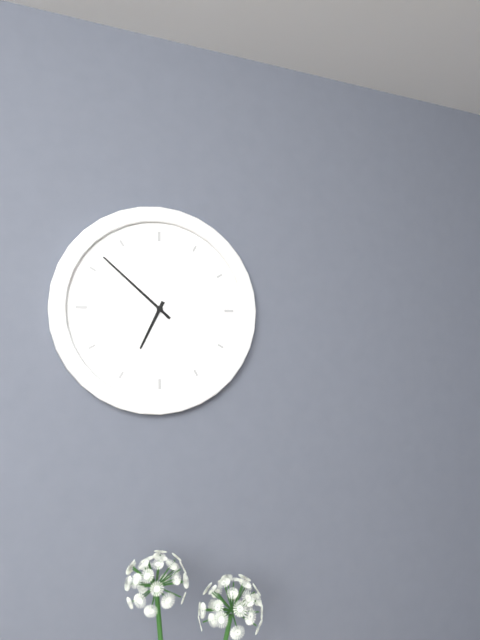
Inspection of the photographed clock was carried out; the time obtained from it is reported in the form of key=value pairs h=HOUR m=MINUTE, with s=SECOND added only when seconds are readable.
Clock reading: h=6 m=52
